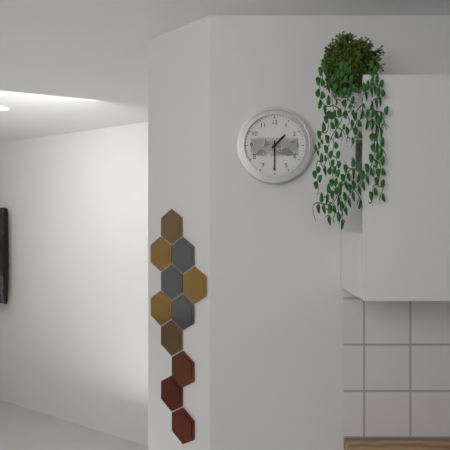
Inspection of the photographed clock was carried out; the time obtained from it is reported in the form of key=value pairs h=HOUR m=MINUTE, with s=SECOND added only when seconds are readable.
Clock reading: h=1 m=30
